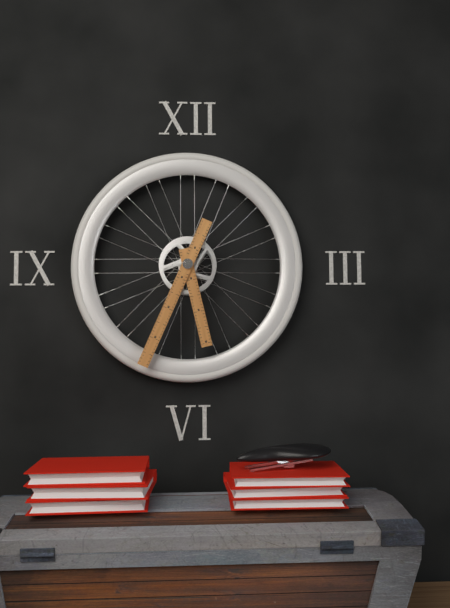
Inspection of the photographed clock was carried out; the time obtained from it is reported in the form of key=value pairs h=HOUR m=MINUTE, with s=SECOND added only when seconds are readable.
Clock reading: h=5 m=34
